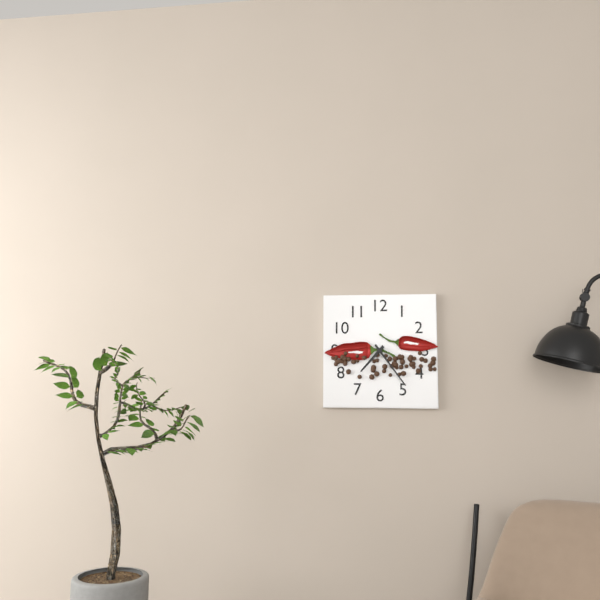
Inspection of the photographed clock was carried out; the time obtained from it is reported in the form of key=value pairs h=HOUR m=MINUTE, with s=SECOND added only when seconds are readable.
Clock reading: h=7 m=24
